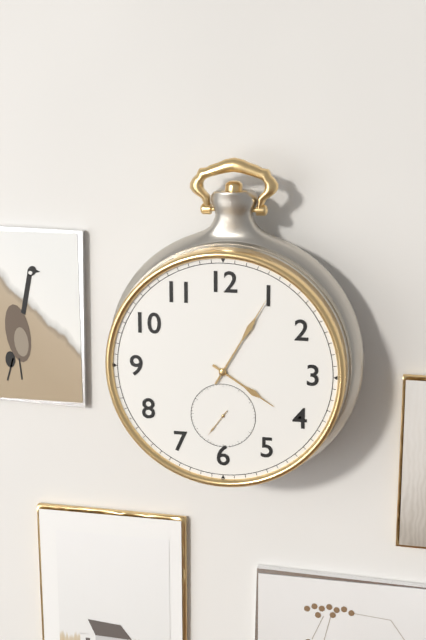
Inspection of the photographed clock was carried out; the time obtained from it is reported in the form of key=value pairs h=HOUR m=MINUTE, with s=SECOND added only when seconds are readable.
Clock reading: h=4 m=5
